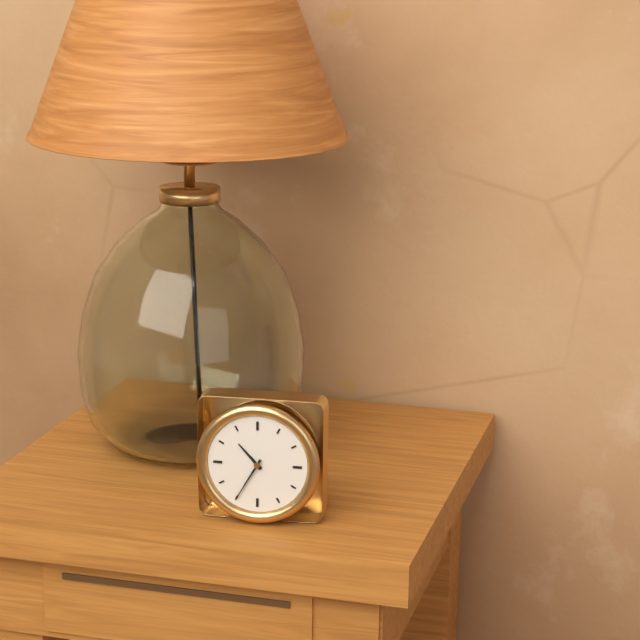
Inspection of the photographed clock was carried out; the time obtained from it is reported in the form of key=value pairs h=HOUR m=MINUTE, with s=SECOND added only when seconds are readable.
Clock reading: h=10 m=35
